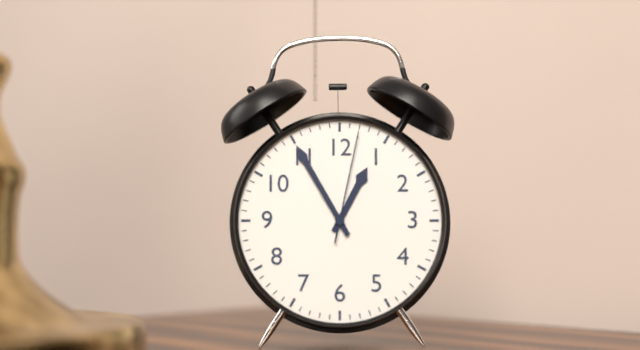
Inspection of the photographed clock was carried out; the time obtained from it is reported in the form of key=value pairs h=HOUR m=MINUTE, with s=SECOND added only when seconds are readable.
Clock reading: h=12 m=55 s=2
